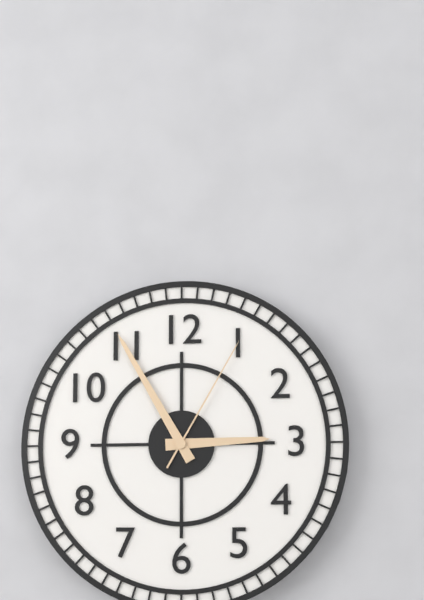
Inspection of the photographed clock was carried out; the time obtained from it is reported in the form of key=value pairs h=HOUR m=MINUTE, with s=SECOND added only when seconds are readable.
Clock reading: h=2 m=55 s=5
